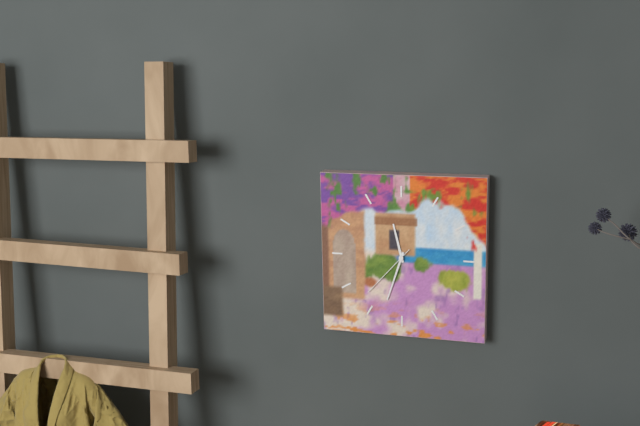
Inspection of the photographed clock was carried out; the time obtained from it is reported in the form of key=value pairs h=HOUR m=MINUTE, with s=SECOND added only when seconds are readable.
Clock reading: h=11 m=33 s=37
